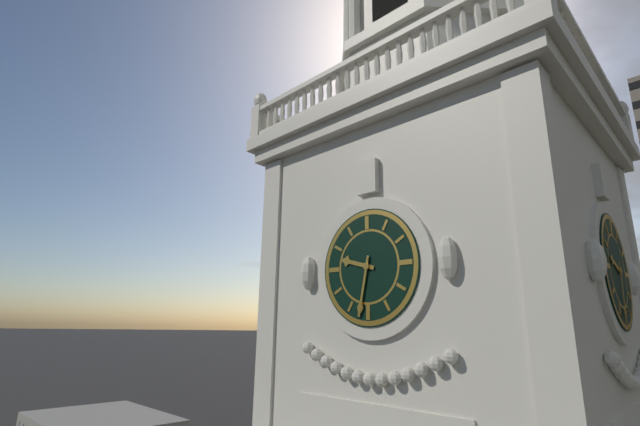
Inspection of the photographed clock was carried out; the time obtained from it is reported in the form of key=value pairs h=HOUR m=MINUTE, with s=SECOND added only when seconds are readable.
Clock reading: h=9 m=32
